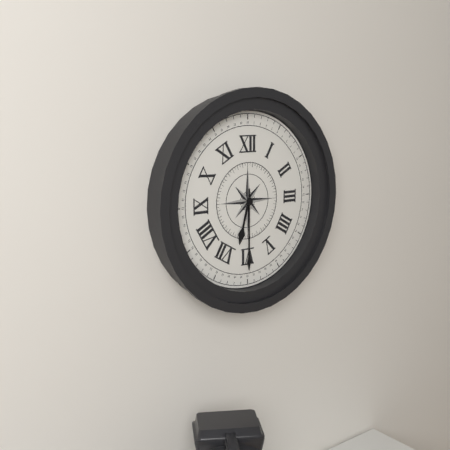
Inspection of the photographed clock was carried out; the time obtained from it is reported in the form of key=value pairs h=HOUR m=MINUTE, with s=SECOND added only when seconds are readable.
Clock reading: h=6 m=30
